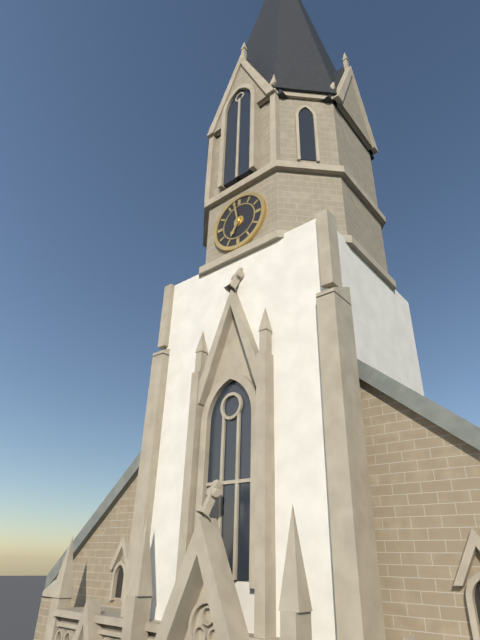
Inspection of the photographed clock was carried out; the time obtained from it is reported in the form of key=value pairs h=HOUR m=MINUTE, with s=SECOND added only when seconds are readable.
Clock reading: h=6 m=58
